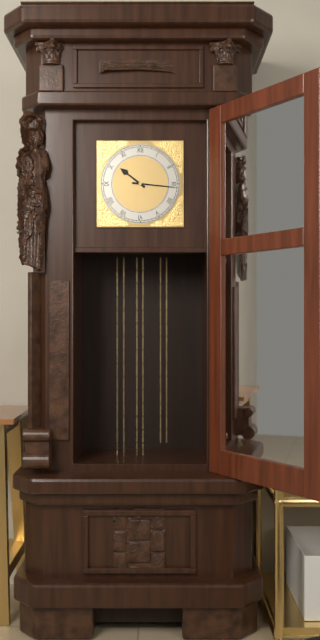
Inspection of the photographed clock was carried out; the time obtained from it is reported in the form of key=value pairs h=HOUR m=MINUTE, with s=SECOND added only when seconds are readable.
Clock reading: h=10 m=16
